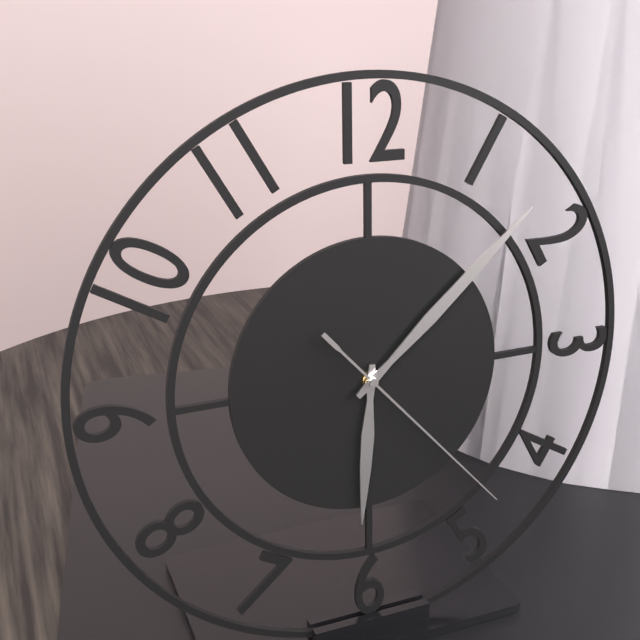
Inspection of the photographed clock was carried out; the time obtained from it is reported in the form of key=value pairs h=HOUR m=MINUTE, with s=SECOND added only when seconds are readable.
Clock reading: h=6 m=8 s=23
